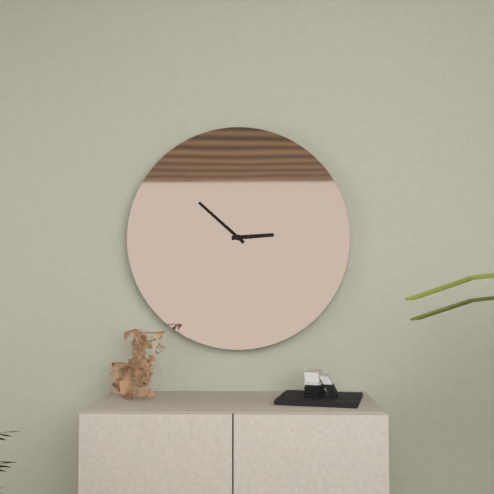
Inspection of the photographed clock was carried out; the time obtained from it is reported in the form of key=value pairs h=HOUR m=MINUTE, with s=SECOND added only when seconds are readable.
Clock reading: h=2 m=52
